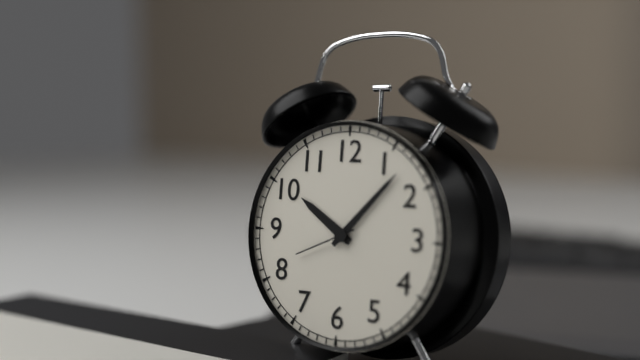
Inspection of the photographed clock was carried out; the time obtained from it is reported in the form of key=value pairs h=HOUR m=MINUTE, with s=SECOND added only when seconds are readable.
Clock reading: h=10 m=7 s=41
